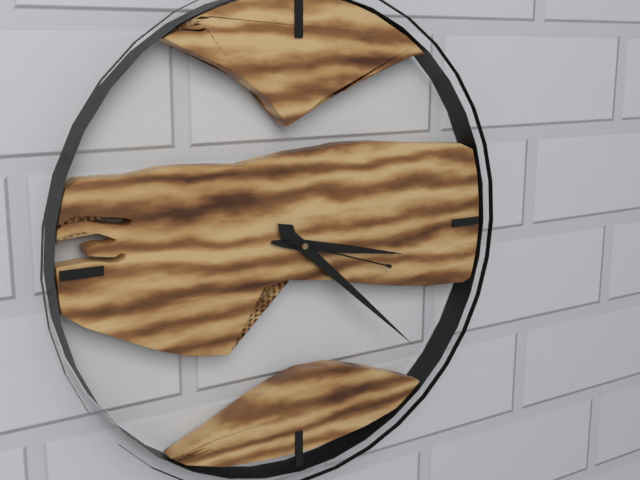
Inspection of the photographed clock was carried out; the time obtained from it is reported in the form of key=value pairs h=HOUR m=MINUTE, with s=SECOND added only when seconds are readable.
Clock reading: h=3 m=22 s=18
